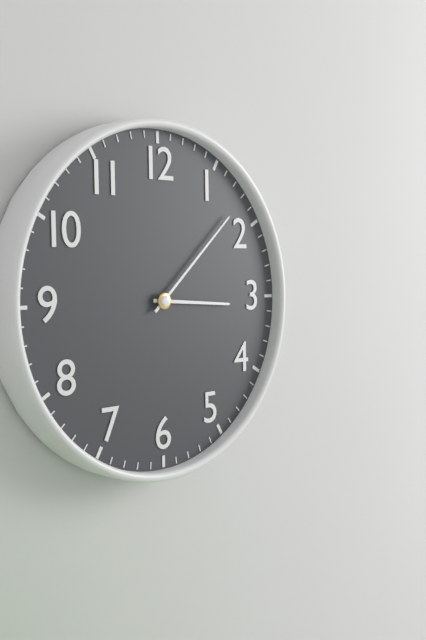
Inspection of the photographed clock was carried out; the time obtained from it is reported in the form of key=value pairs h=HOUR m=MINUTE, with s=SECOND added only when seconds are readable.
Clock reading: h=3 m=8
